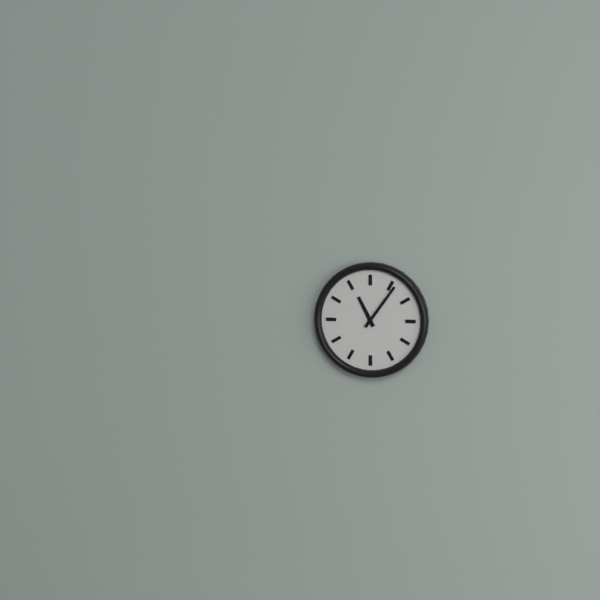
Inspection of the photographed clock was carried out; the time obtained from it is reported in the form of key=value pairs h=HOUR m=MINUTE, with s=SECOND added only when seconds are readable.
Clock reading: h=11 m=6
